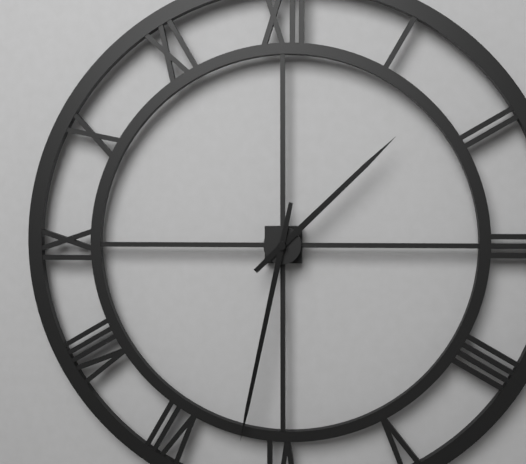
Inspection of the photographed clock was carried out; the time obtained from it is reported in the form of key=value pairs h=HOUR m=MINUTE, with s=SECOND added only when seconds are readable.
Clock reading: h=1 m=32
